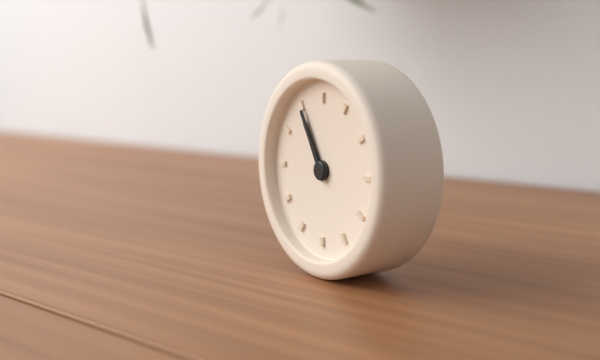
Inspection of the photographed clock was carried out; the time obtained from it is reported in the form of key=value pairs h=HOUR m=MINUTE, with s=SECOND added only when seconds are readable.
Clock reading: h=10 m=55
